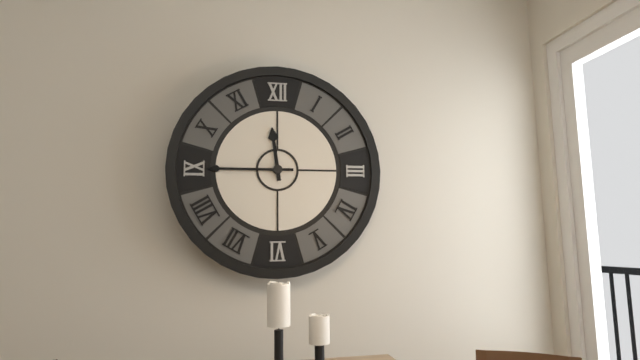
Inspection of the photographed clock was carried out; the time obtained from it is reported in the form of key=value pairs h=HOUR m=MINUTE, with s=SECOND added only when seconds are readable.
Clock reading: h=11 m=45
